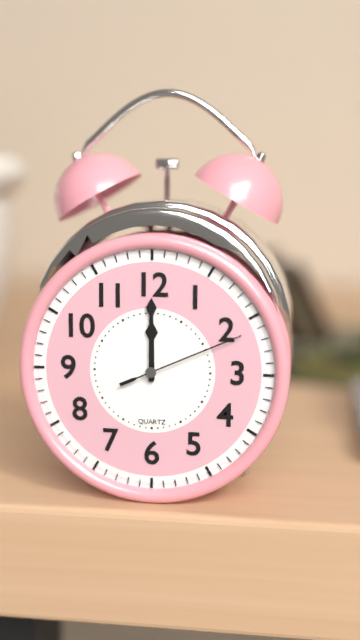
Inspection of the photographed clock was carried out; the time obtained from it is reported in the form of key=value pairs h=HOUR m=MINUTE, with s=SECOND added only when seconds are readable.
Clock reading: h=12 m=0 s=11
